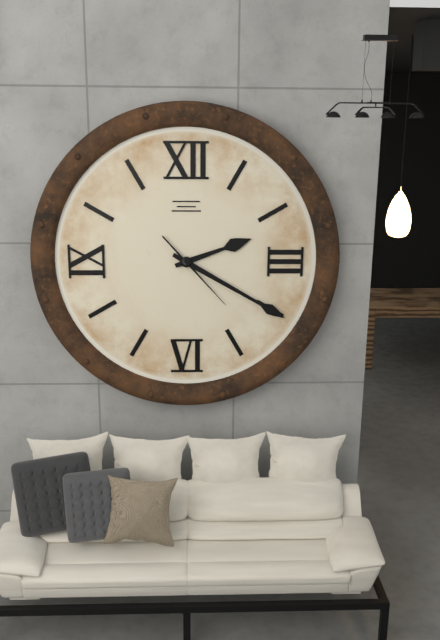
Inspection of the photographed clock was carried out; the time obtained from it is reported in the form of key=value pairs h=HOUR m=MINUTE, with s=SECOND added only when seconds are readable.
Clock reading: h=2 m=20 s=23
